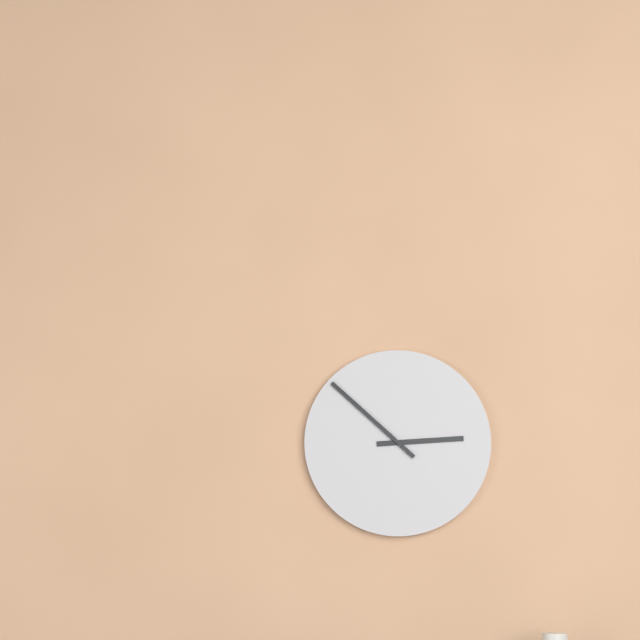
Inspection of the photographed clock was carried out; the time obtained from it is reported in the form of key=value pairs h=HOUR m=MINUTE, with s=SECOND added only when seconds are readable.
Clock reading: h=2 m=52
